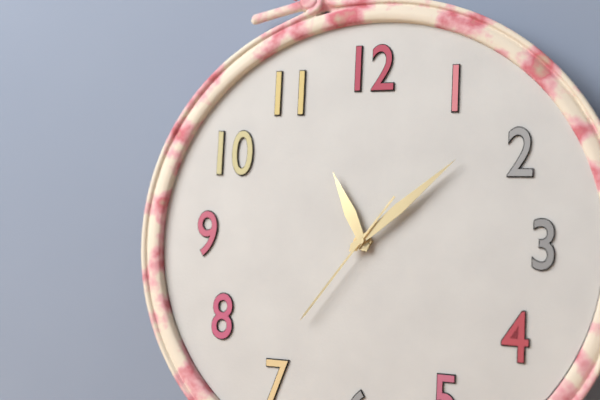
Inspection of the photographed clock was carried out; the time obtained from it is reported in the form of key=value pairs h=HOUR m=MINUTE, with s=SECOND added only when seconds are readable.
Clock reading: h=11 m=8 s=36
